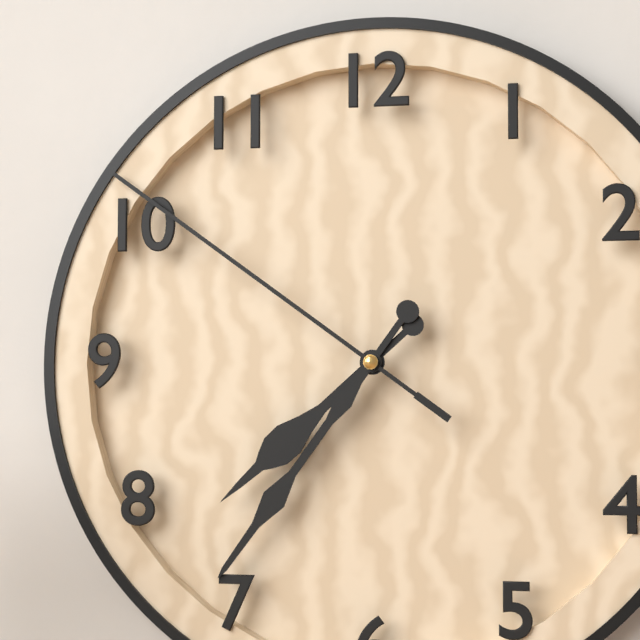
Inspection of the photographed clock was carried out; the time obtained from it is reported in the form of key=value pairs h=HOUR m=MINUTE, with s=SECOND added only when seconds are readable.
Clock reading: h=7 m=36 s=51
